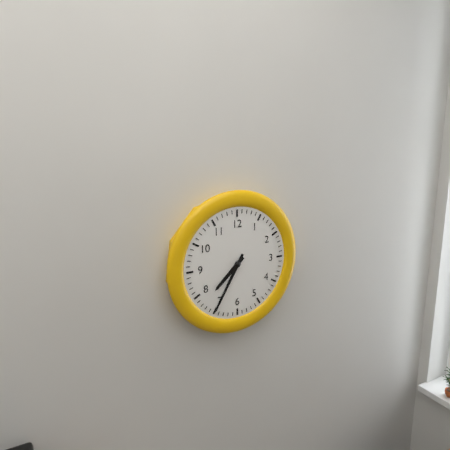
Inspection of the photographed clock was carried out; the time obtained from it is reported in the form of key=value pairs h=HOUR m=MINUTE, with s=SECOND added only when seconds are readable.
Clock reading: h=7 m=35
